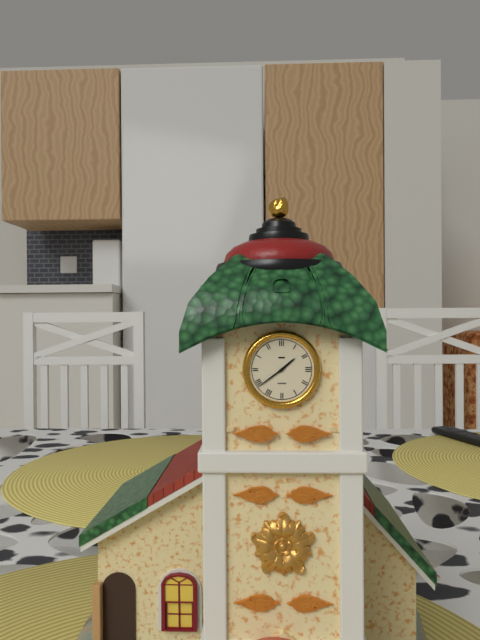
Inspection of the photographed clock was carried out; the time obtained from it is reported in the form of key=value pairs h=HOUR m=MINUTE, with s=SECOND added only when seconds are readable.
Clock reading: h=1 m=39
